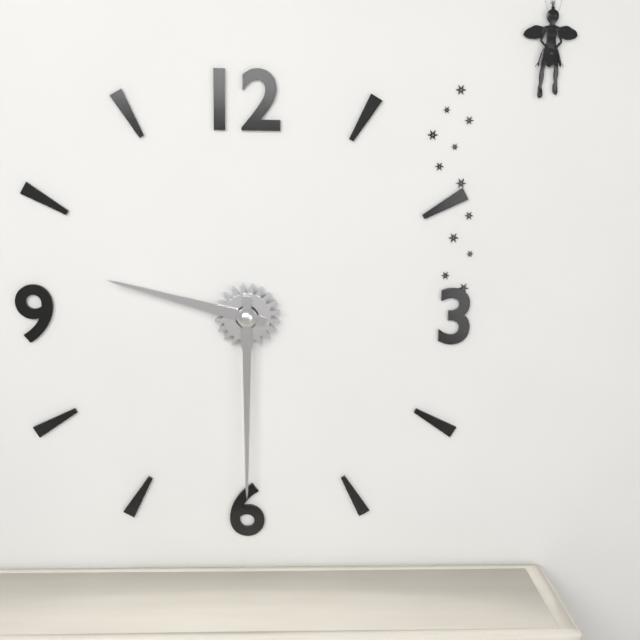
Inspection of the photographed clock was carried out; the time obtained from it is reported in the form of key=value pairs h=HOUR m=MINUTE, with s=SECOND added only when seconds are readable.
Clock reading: h=9 m=30
